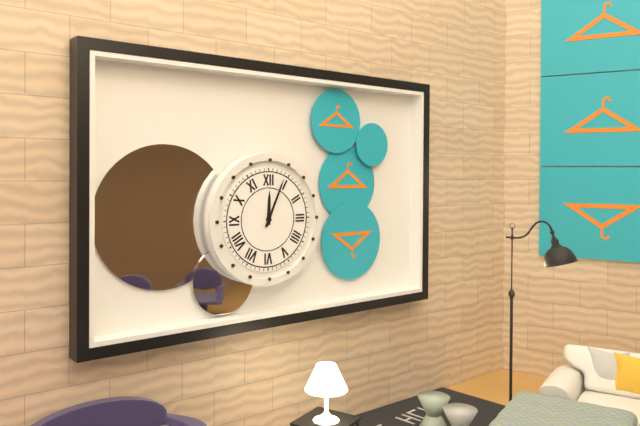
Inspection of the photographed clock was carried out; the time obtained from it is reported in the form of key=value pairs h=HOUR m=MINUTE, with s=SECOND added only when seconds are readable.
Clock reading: h=12 m=4
